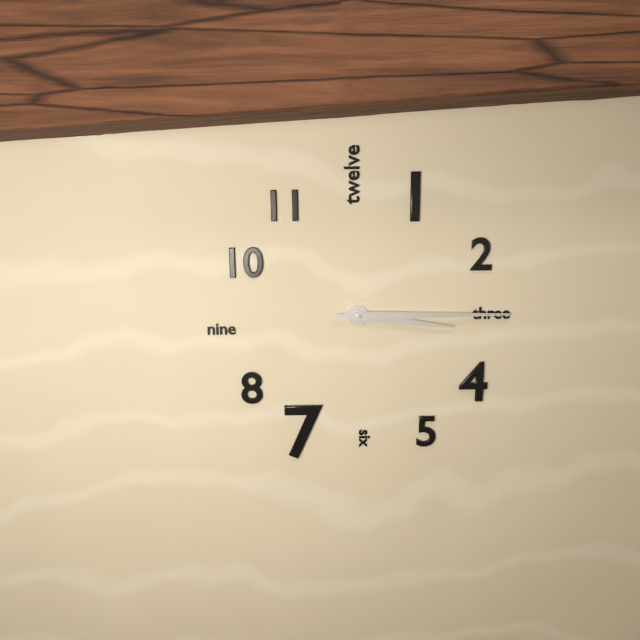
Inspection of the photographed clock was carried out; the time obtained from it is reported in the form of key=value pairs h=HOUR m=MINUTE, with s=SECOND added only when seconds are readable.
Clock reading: h=3 m=15
